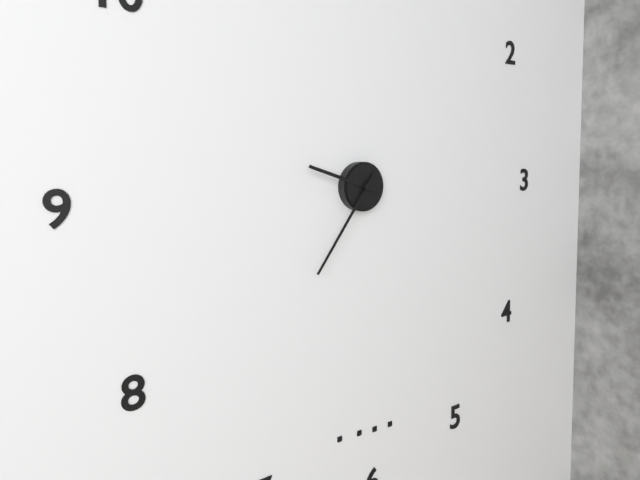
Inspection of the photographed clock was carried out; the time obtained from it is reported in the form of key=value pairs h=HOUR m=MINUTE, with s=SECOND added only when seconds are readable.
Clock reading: h=9 m=36
